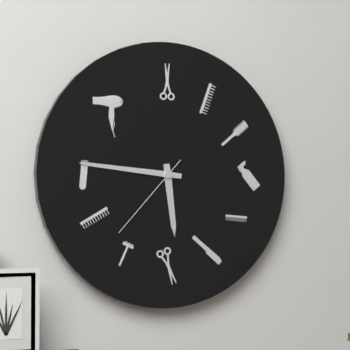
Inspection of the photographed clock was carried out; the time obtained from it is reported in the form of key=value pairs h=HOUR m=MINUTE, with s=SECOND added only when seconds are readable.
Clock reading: h=5 m=46 s=37
